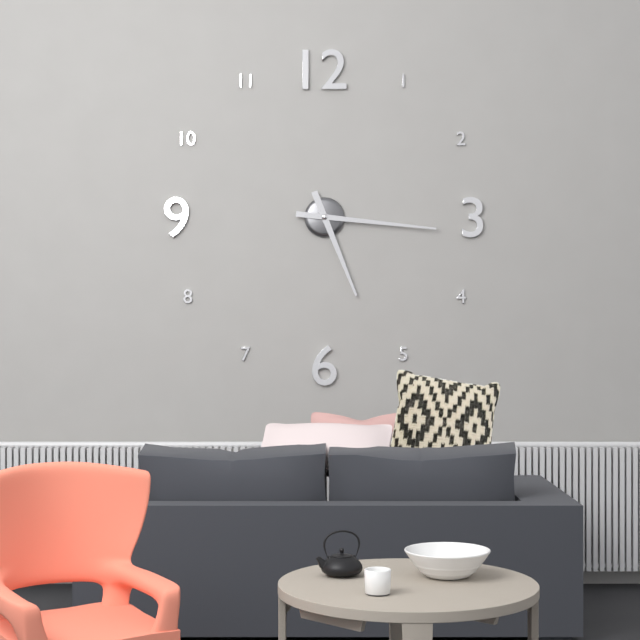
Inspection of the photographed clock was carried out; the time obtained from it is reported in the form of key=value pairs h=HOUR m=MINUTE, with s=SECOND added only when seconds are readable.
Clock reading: h=5 m=16
